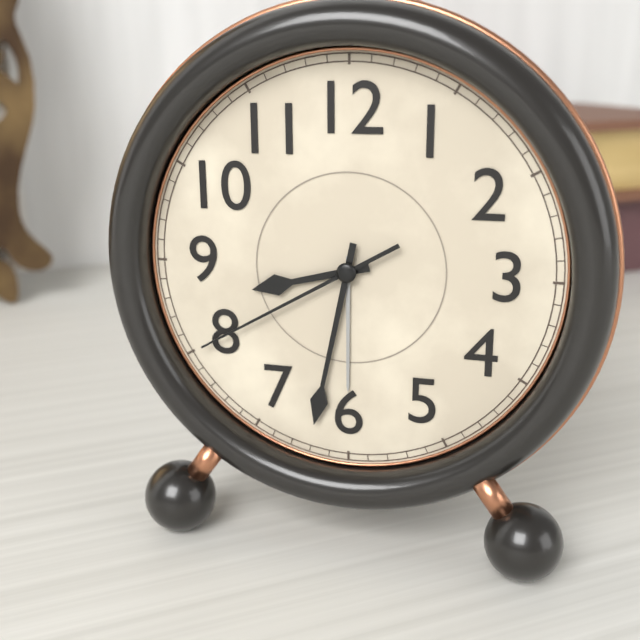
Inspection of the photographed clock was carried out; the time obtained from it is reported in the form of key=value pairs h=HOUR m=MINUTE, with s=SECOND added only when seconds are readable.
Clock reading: h=8 m=32 s=40
